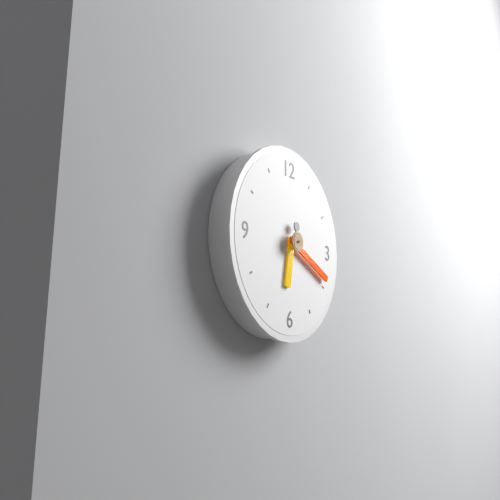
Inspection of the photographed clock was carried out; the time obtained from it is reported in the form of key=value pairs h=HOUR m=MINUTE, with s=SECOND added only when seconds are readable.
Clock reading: h=6 m=19
